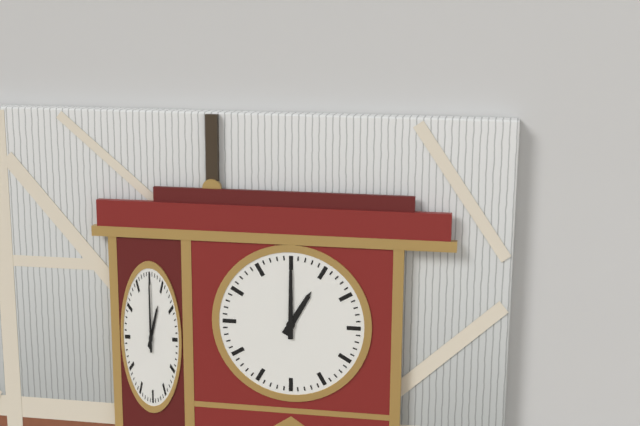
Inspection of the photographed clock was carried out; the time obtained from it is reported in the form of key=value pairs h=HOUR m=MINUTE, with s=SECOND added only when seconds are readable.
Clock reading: h=1 m=0
